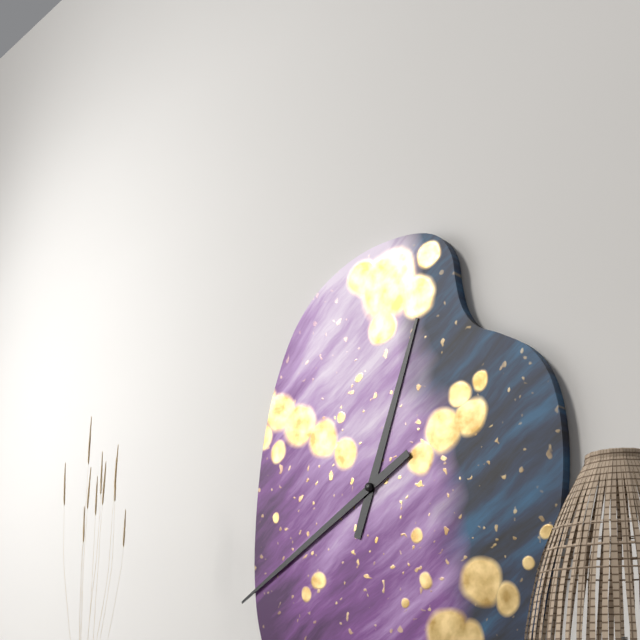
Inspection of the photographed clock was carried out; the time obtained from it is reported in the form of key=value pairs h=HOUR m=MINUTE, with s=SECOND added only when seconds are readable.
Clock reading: h=12 m=40
